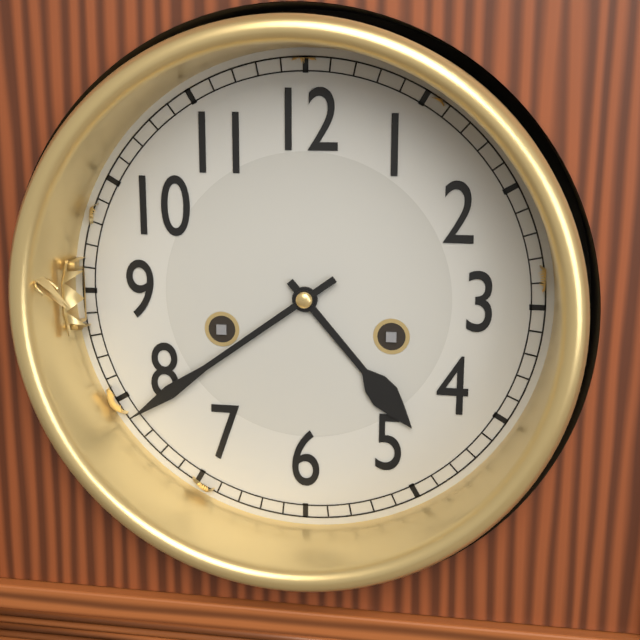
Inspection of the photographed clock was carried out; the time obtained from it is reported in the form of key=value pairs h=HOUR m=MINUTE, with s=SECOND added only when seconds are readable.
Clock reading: h=4 m=39
